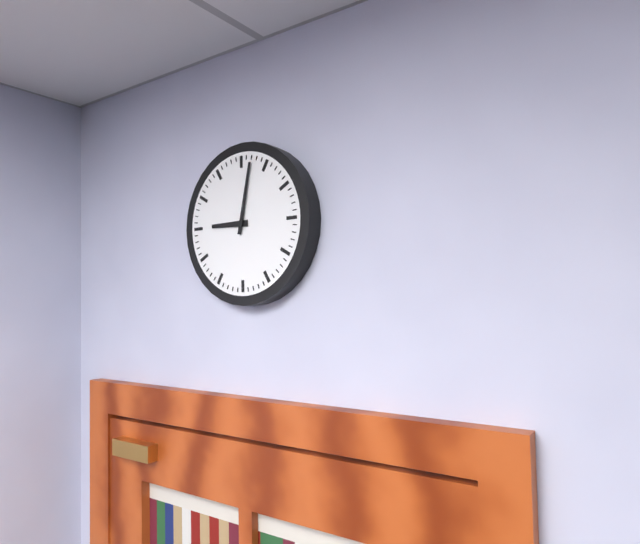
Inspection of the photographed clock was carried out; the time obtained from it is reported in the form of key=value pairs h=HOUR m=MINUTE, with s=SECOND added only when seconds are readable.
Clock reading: h=9 m=2
